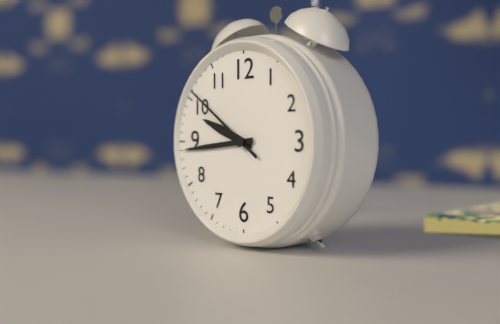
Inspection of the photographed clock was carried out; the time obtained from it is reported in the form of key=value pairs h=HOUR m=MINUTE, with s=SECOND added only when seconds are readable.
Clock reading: h=9 m=44 s=51
